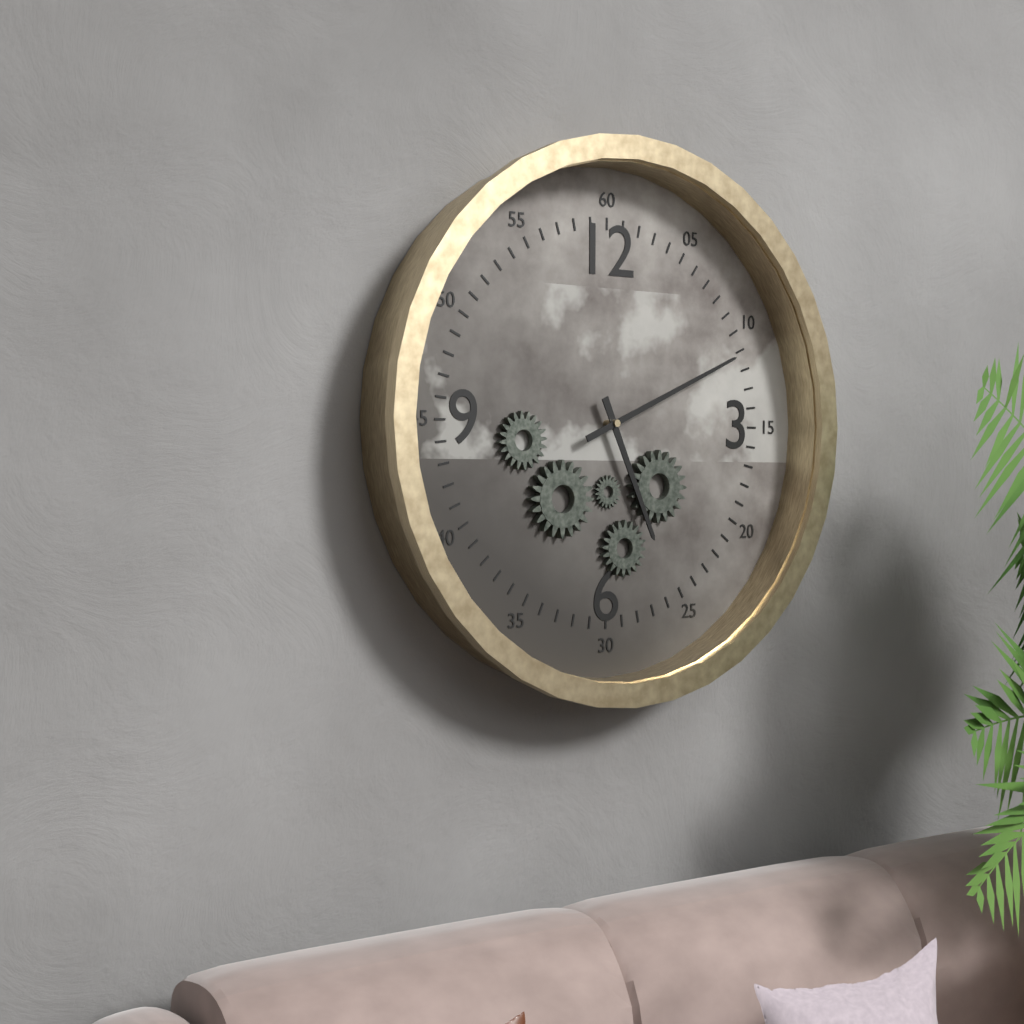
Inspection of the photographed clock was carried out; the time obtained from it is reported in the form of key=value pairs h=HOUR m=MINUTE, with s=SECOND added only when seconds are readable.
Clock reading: h=5 m=11
